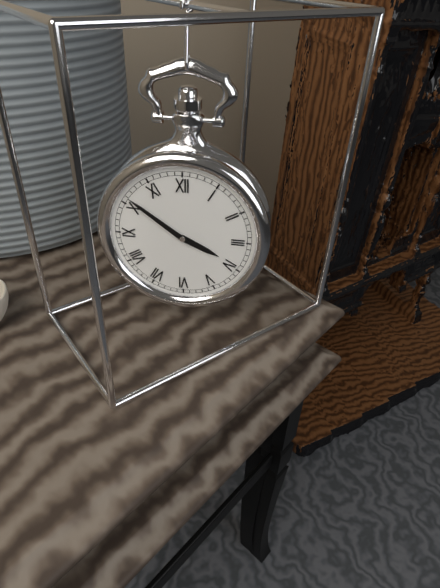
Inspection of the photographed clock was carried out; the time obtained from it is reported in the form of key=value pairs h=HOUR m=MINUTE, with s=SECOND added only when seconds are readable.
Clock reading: h=3 m=51
